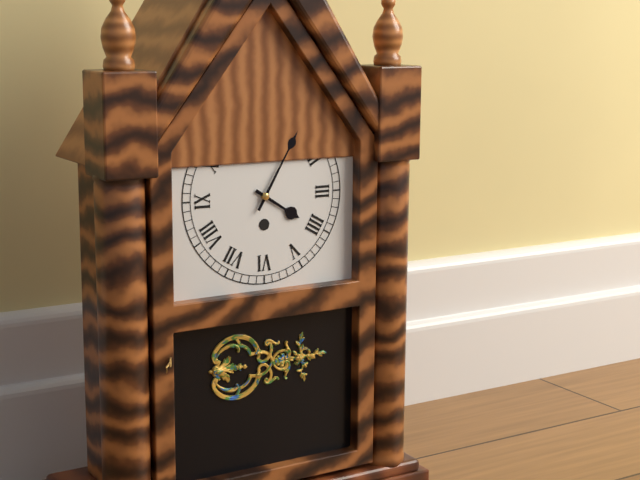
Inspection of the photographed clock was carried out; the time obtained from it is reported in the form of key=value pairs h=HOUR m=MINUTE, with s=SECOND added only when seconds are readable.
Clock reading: h=4 m=5
